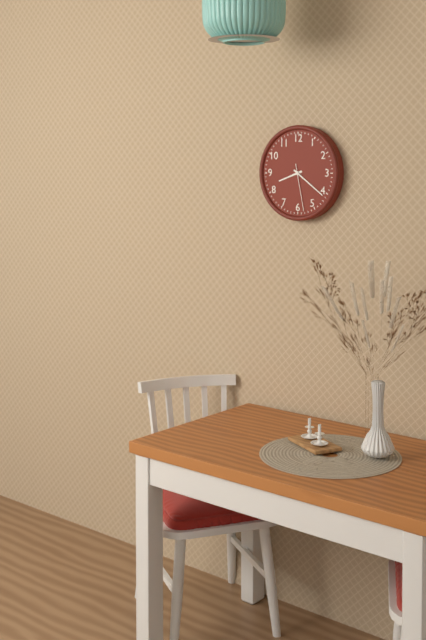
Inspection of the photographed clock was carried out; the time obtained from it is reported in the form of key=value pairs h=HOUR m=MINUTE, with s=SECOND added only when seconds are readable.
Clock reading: h=8 m=21
